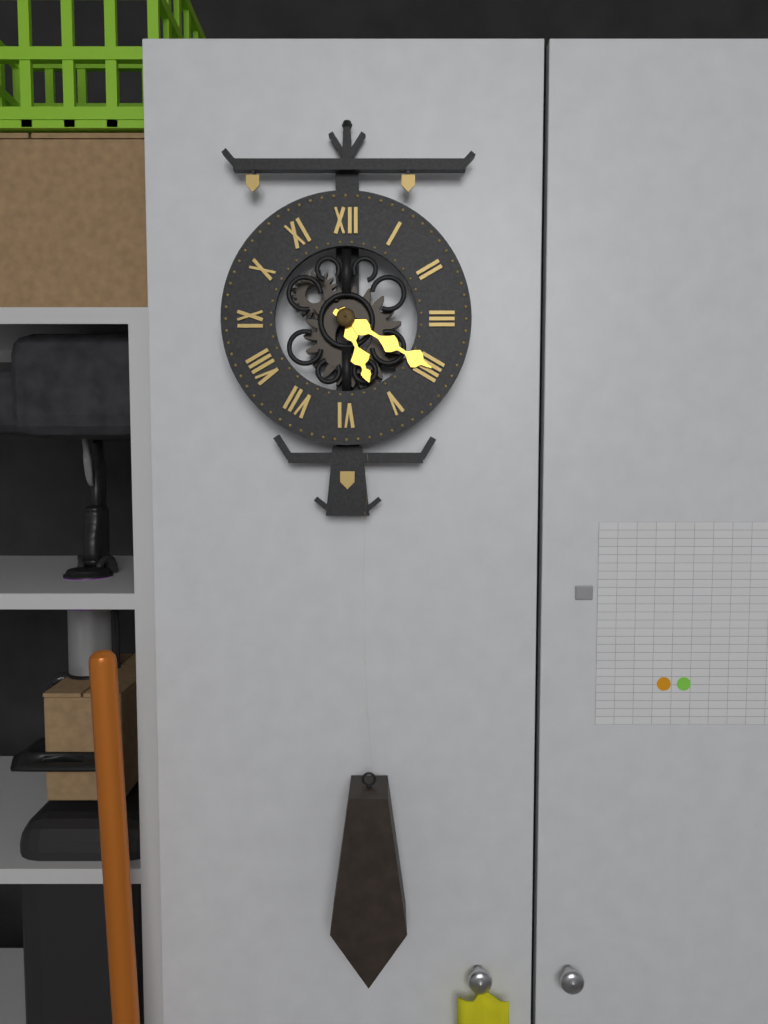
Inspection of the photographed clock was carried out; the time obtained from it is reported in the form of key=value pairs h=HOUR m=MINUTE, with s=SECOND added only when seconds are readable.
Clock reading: h=5 m=20
